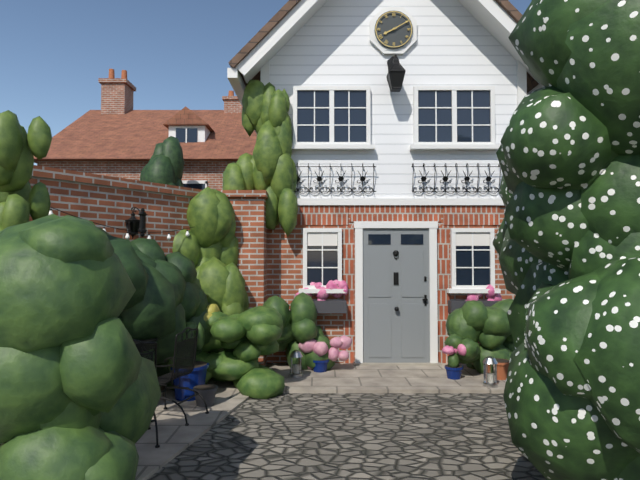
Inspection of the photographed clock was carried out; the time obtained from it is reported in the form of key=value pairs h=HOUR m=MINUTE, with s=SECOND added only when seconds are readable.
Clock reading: h=8 m=10
